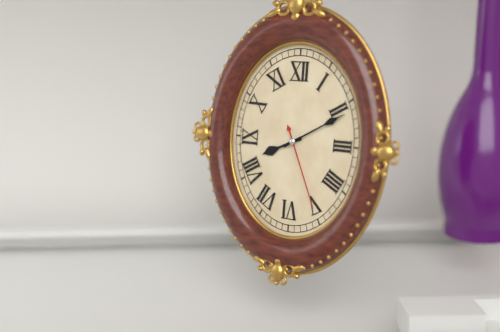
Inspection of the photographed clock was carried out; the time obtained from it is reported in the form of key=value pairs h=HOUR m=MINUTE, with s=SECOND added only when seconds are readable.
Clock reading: h=8 m=10 s=26
